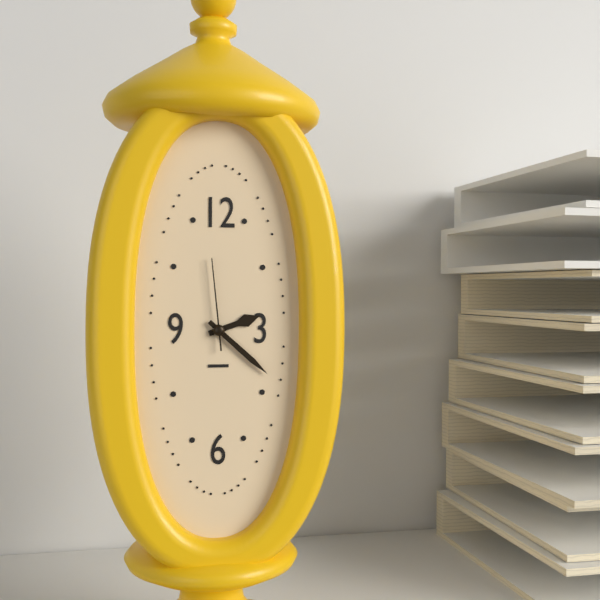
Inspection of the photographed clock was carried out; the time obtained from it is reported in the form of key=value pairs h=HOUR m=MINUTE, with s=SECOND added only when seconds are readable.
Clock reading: h=2 m=22 s=59
